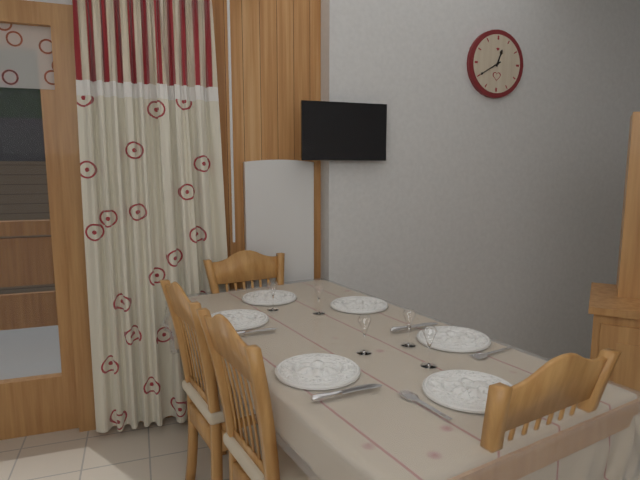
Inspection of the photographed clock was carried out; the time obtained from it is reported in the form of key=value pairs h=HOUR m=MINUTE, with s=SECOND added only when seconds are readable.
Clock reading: h=12 m=40
